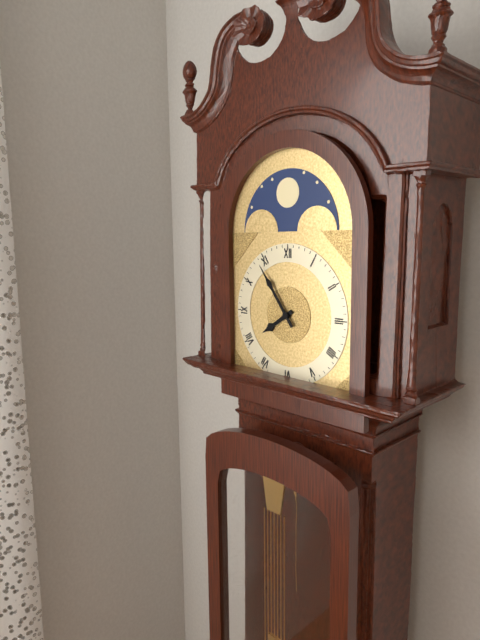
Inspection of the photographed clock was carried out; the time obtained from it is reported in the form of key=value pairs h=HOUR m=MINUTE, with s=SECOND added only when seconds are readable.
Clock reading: h=7 m=54
